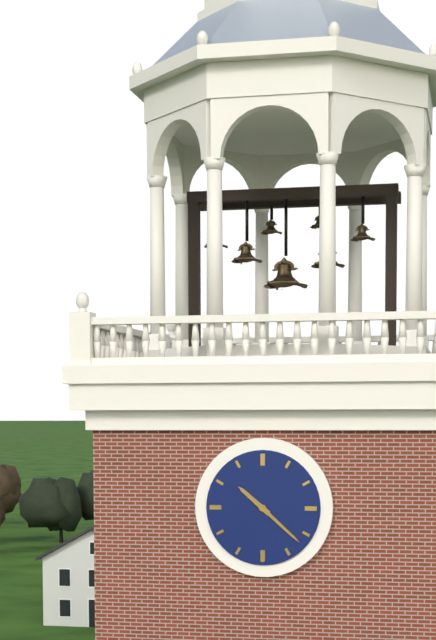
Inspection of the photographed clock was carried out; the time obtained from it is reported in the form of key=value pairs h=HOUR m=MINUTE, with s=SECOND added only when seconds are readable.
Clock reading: h=10 m=22
